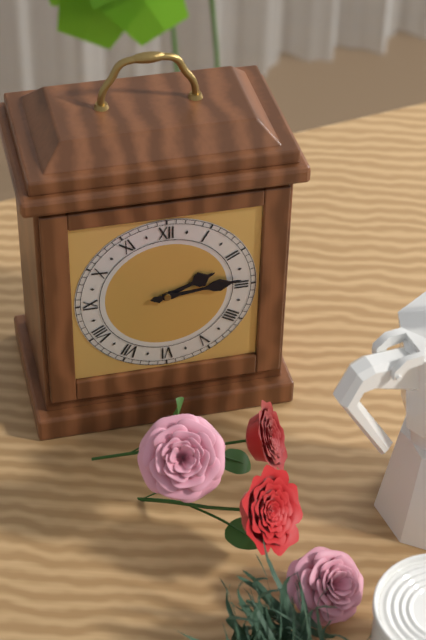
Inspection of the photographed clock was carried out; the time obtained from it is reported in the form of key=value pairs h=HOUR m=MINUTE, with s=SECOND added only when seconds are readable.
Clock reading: h=2 m=14
